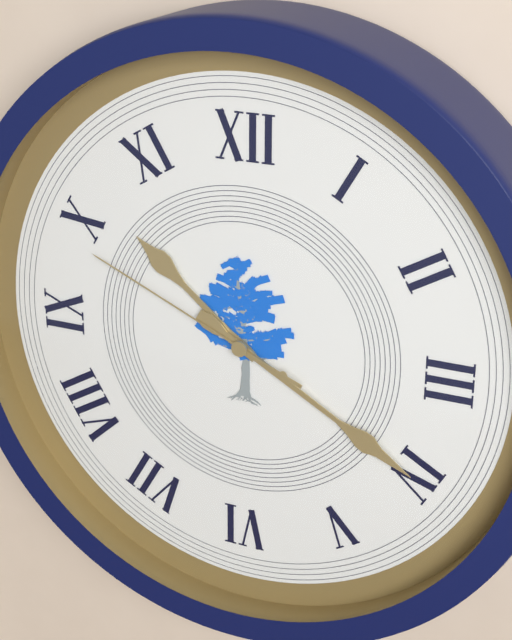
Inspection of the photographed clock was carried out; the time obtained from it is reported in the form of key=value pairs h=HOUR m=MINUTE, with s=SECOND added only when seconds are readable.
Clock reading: h=10 m=20 s=49
